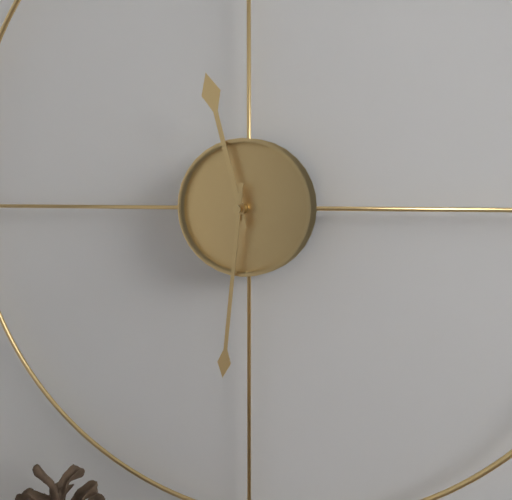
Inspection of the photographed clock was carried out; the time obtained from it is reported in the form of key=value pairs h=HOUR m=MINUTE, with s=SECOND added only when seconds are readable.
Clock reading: h=11 m=31
